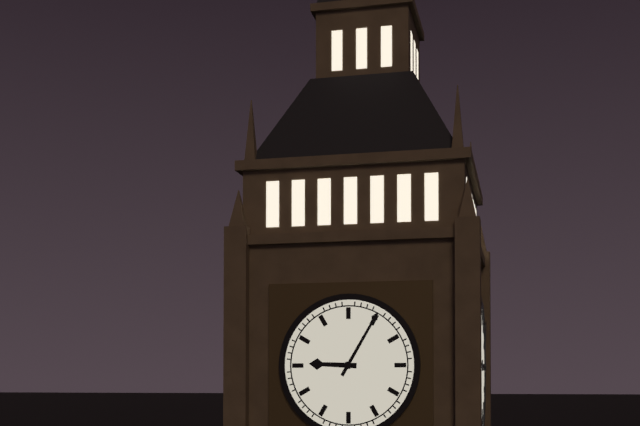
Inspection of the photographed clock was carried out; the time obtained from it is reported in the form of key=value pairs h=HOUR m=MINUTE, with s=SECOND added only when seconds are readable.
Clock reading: h=9 m=5
